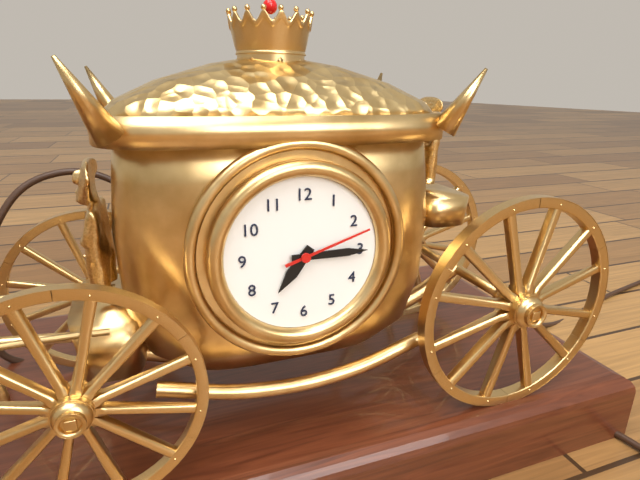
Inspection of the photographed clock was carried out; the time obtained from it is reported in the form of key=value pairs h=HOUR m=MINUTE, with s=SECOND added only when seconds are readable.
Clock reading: h=7 m=15 s=12
